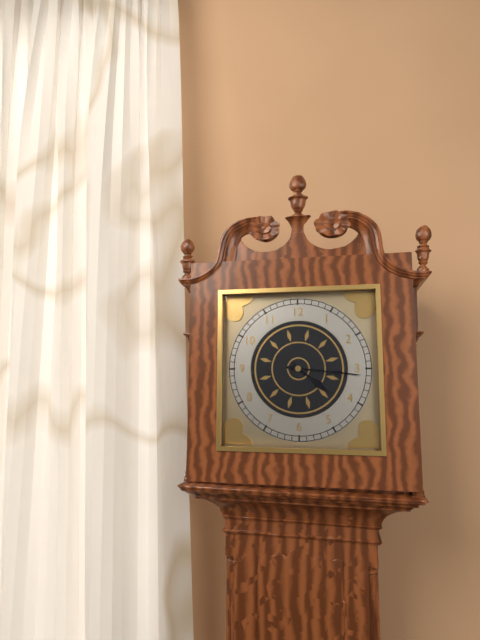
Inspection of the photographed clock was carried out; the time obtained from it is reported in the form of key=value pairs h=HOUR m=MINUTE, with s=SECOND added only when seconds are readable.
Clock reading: h=4 m=16
